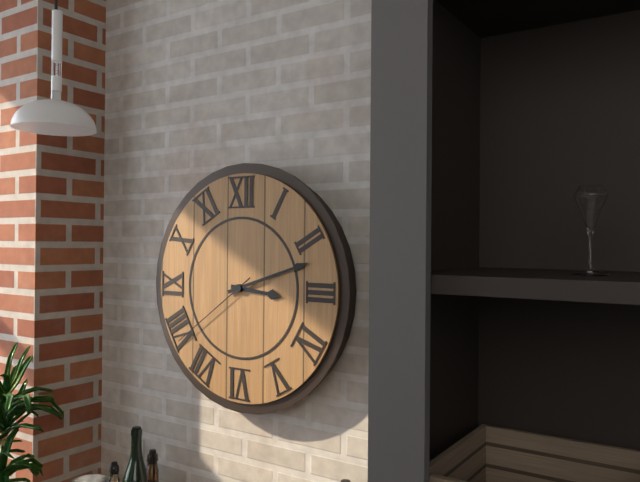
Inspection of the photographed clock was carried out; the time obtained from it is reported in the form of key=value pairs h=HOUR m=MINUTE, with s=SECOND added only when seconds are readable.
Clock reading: h=3 m=12 s=39
